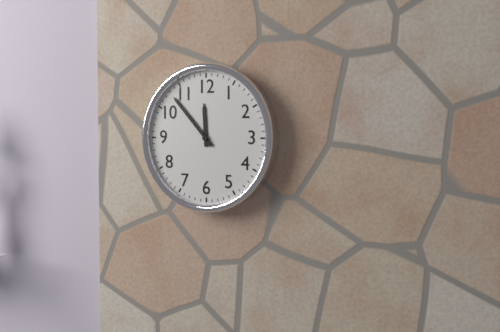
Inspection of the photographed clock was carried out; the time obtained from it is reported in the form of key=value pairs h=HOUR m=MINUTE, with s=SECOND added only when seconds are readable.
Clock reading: h=11 m=53
